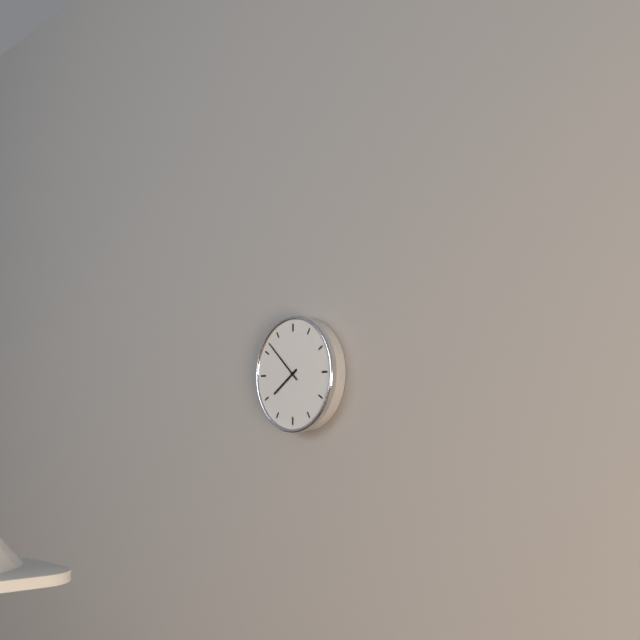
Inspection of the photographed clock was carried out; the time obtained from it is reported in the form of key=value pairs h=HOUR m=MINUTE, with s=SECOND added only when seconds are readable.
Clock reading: h=7 m=52
